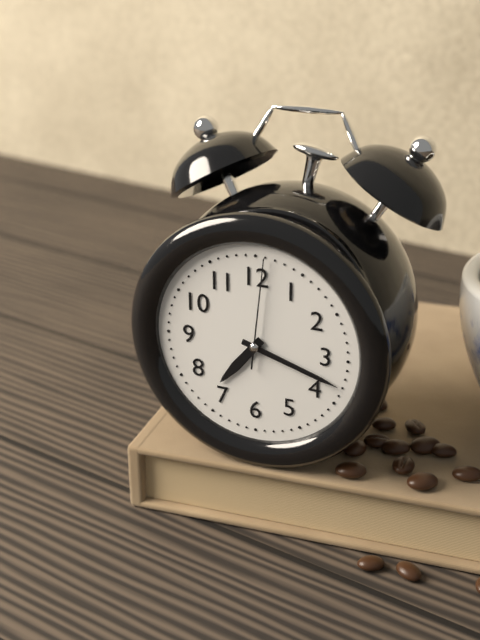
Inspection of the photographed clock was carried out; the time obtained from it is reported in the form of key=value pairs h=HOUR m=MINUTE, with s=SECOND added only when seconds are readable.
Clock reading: h=7 m=18 s=1
